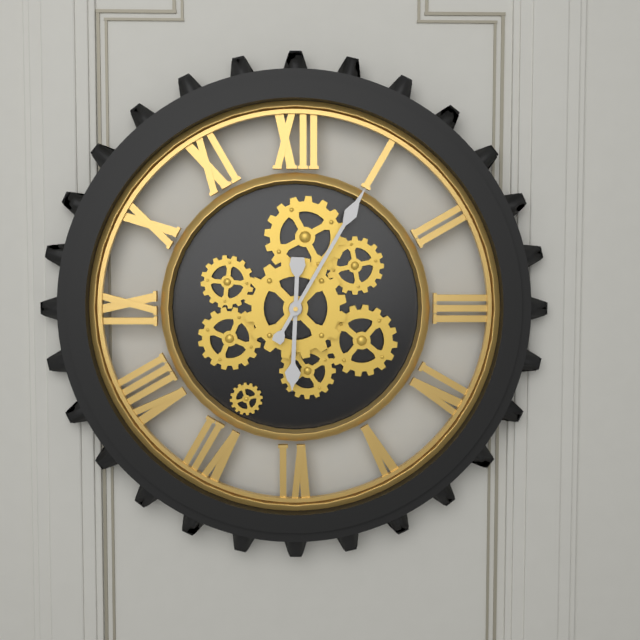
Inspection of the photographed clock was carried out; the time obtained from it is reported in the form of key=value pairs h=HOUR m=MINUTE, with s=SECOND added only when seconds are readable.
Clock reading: h=6 m=5
